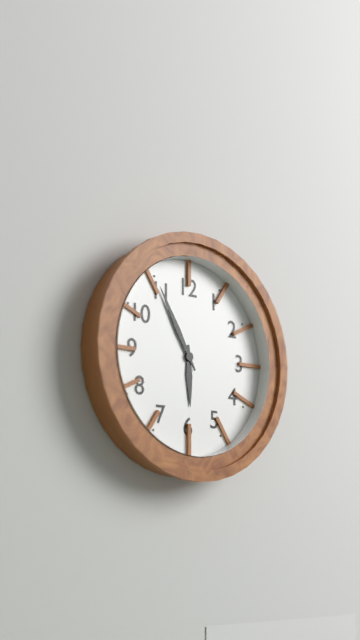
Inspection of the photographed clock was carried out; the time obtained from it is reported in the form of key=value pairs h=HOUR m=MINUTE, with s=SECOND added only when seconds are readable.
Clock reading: h=5 m=55
